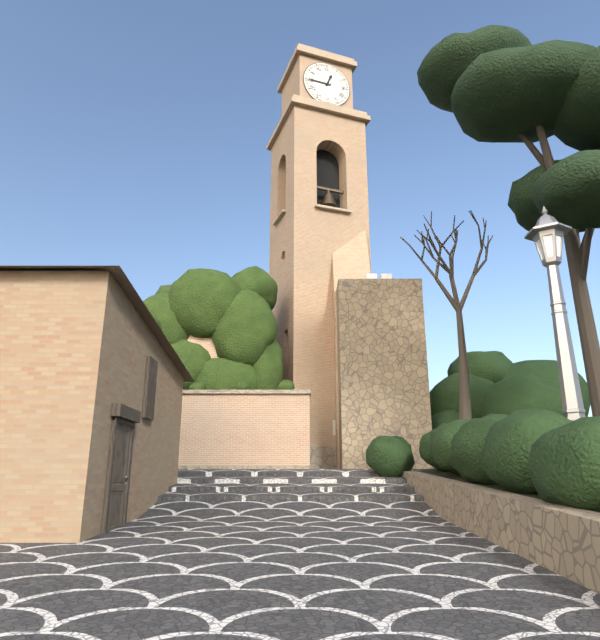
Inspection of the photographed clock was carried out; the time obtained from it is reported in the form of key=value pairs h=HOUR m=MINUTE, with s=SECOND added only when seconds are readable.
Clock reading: h=12 m=45
